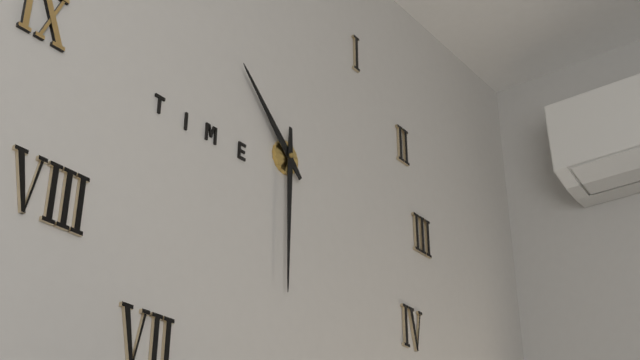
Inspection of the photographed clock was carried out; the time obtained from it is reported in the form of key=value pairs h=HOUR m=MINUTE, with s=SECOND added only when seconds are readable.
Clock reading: h=10 m=30
